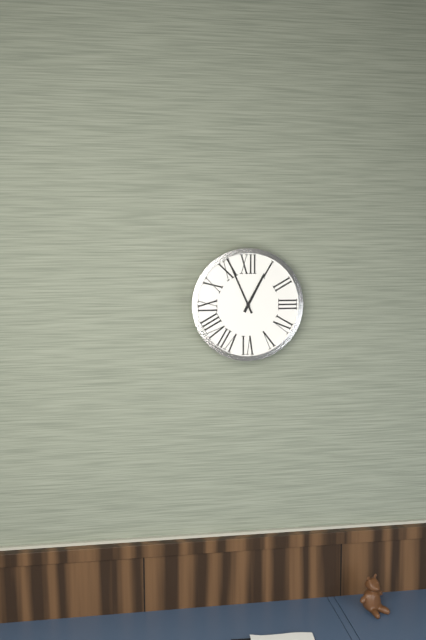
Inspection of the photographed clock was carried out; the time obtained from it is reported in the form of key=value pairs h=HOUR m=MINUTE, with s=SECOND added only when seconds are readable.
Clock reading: h=12 m=56
